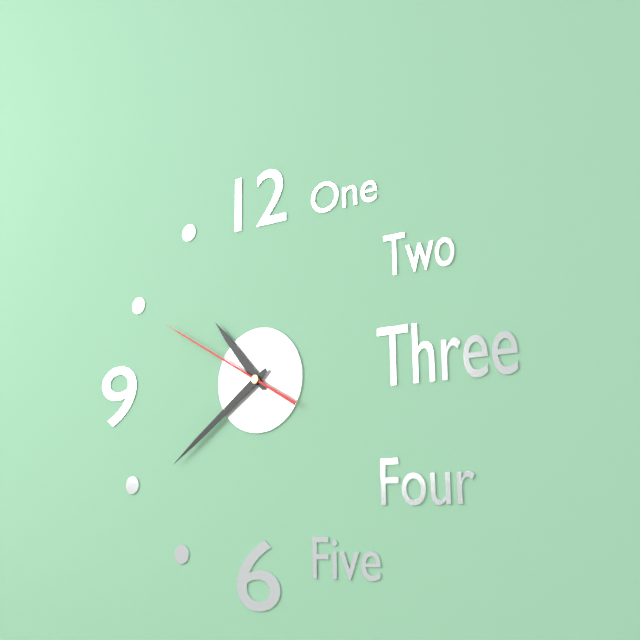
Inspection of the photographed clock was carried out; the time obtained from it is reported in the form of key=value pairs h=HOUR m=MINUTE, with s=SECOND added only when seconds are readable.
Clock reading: h=10 m=39 s=50
